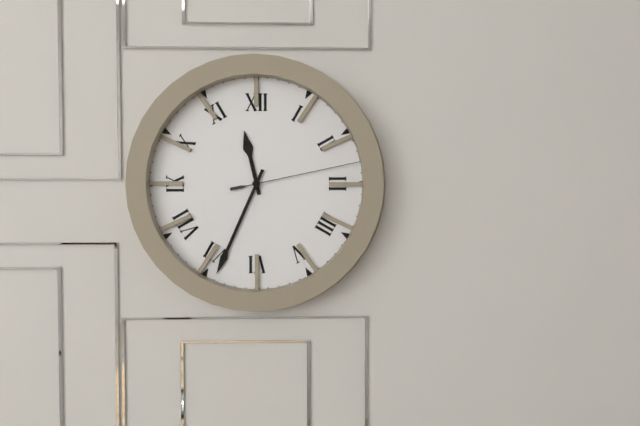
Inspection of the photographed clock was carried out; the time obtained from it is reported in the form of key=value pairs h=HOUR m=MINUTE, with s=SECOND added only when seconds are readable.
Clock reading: h=11 m=34 s=13
